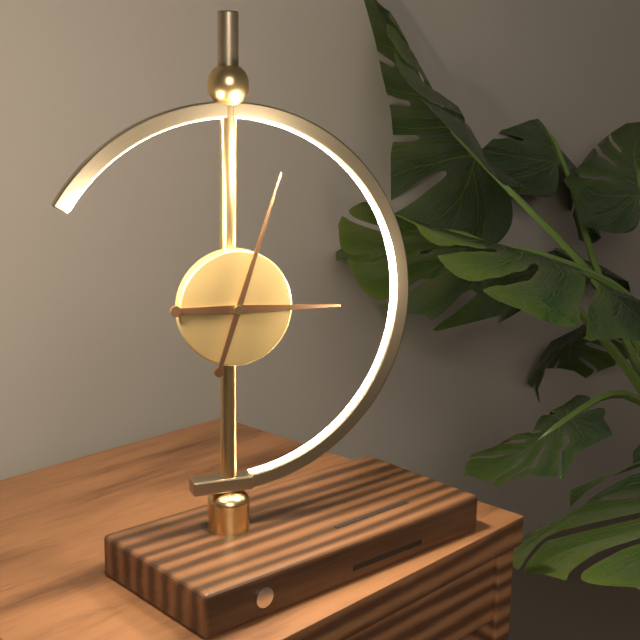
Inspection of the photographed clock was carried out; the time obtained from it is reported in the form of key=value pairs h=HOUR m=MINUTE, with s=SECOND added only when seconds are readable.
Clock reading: h=3 m=3
